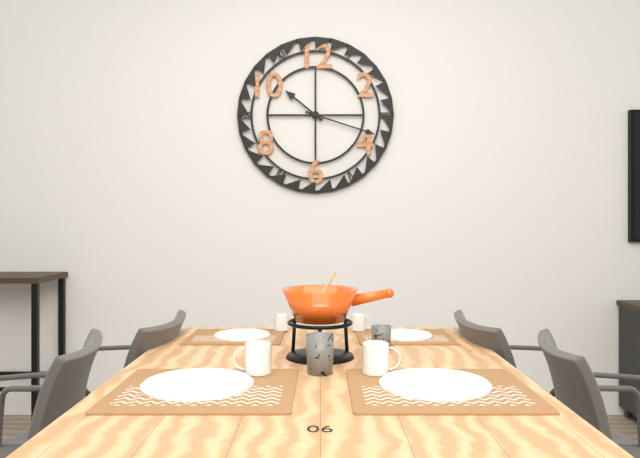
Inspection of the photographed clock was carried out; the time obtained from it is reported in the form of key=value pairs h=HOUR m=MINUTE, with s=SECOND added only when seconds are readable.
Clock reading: h=10 m=18
